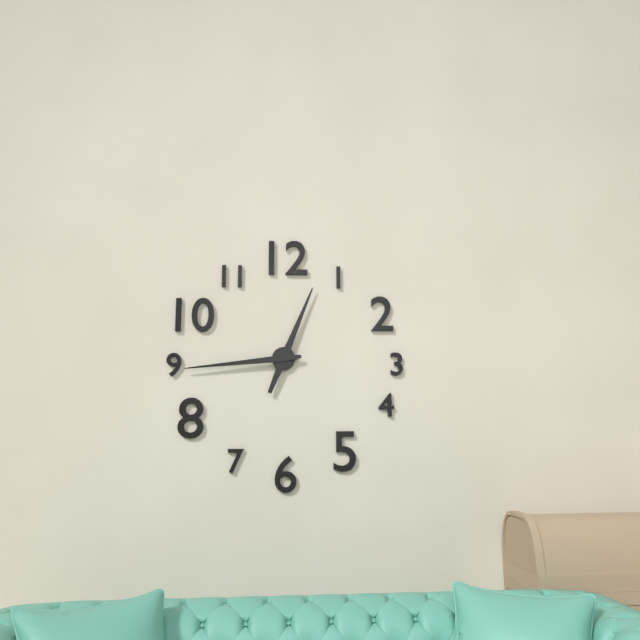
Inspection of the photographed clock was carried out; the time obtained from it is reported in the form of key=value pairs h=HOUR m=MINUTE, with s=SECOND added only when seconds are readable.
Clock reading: h=12 m=44
